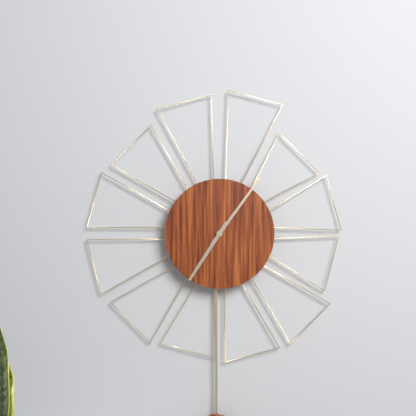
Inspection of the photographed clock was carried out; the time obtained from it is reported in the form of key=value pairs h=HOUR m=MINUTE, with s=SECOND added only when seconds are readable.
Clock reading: h=7 m=6
